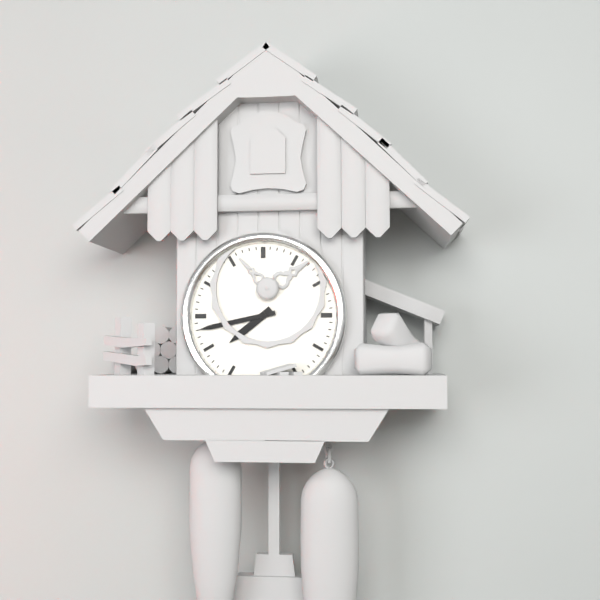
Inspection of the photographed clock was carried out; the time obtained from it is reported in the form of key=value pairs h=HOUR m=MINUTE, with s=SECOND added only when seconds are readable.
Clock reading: h=7 m=43
